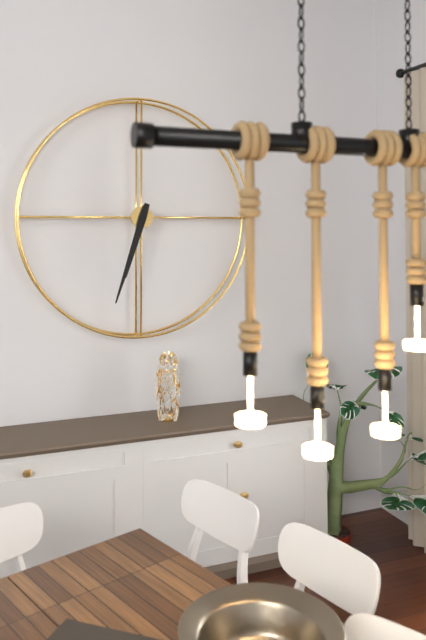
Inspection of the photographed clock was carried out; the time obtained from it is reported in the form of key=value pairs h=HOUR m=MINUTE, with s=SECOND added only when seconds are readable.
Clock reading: h=6 m=33
